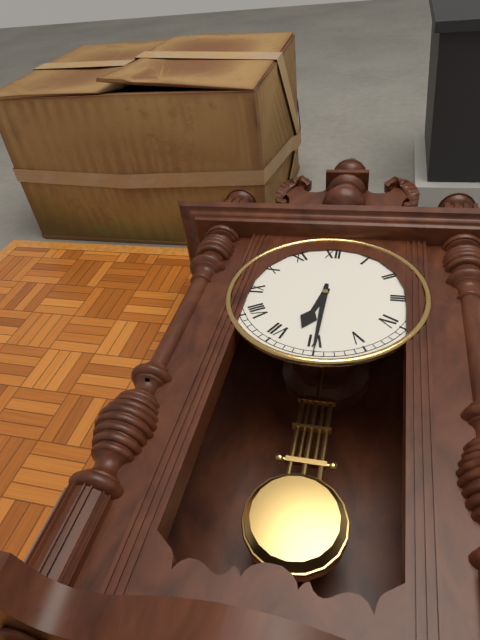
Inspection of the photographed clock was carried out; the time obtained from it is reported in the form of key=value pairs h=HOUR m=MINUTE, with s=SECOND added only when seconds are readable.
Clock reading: h=6 m=30
